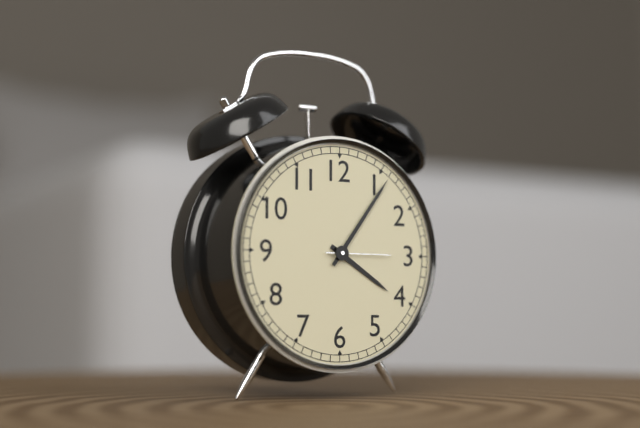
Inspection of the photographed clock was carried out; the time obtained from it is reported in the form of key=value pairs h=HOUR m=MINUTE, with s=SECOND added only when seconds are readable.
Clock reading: h=4 m=6 s=15
